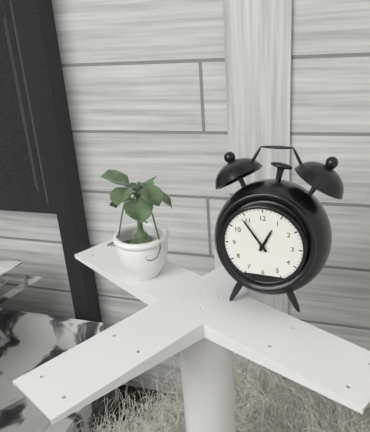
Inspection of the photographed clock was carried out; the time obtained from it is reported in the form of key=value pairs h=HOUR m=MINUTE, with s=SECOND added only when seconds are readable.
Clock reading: h=12 m=54
